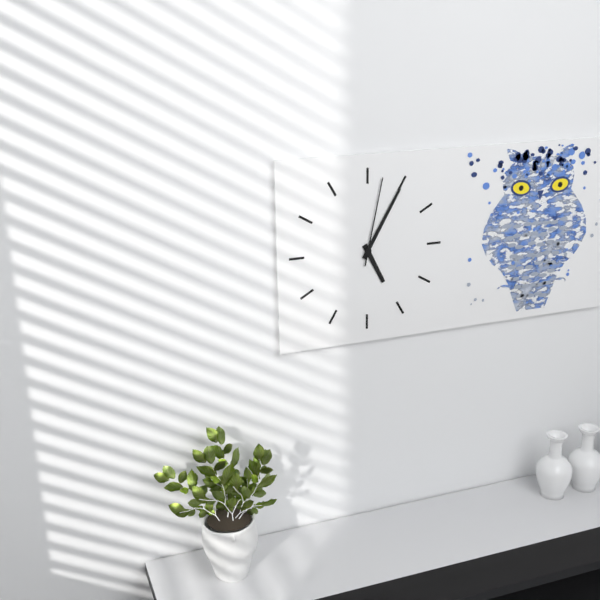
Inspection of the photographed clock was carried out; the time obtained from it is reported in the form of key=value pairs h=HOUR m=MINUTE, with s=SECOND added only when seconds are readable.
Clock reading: h=5 m=5 s=2
